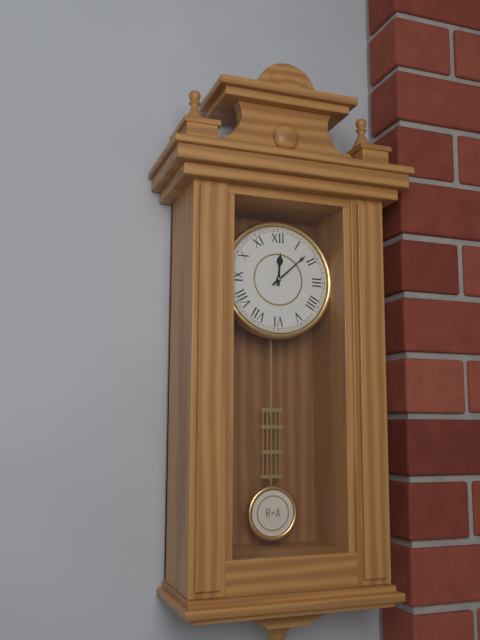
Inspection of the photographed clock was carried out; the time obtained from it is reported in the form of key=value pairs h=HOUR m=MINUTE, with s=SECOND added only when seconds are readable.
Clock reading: h=12 m=8
